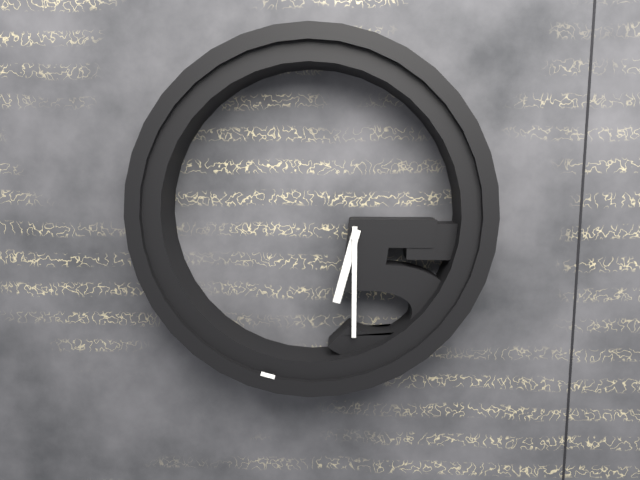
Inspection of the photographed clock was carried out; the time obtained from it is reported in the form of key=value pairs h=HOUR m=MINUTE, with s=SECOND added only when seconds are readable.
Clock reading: h=6 m=30
